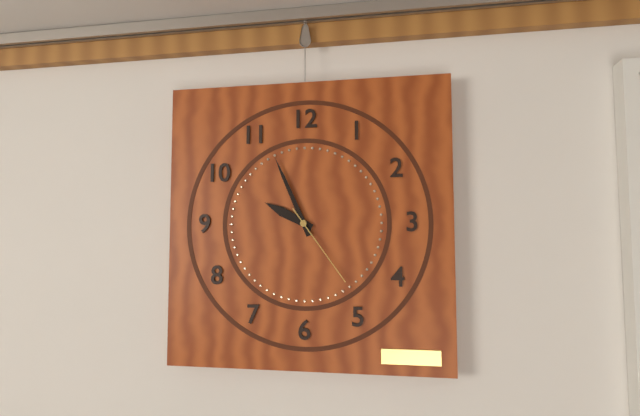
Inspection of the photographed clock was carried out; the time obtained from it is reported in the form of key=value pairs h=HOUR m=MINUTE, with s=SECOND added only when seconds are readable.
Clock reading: h=9 m=56 s=24
